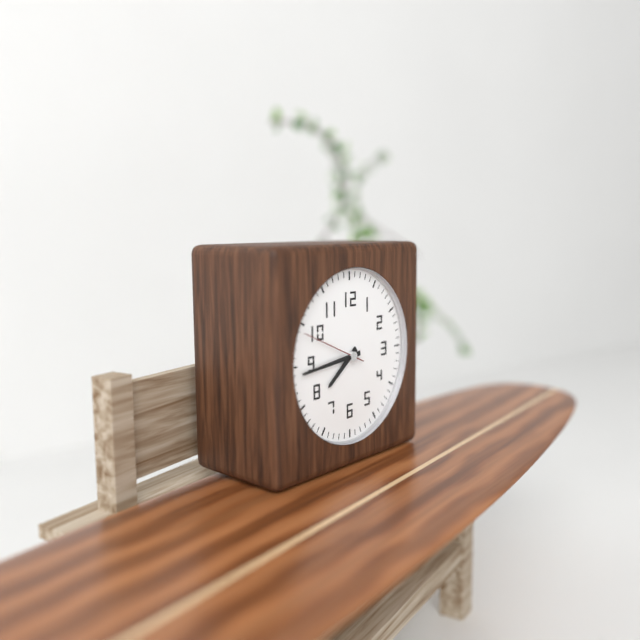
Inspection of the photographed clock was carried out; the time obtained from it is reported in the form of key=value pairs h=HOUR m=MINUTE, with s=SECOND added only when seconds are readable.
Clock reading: h=7 m=44 s=49
